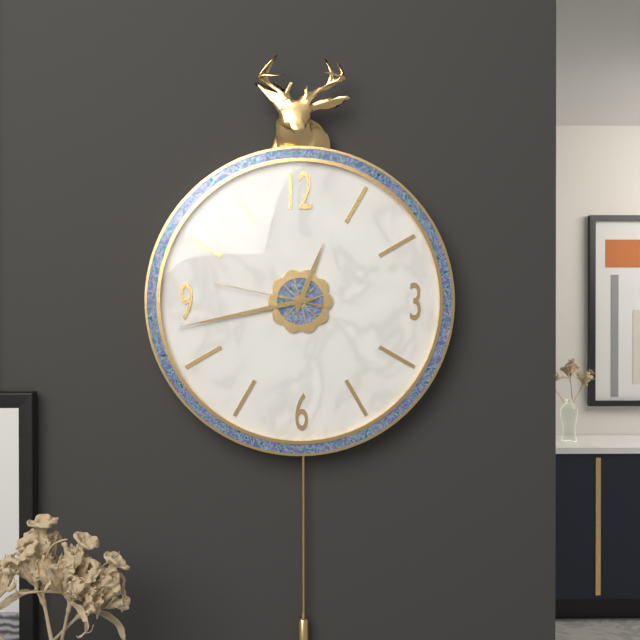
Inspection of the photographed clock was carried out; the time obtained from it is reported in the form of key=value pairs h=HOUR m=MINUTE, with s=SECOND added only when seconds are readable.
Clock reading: h=12 m=43 s=47
